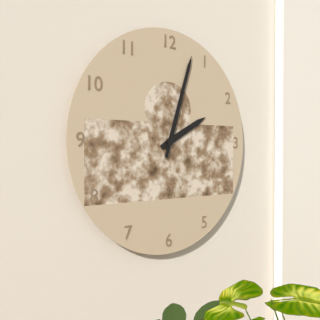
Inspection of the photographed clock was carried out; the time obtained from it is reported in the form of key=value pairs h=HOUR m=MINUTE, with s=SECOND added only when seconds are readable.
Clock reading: h=2 m=3
